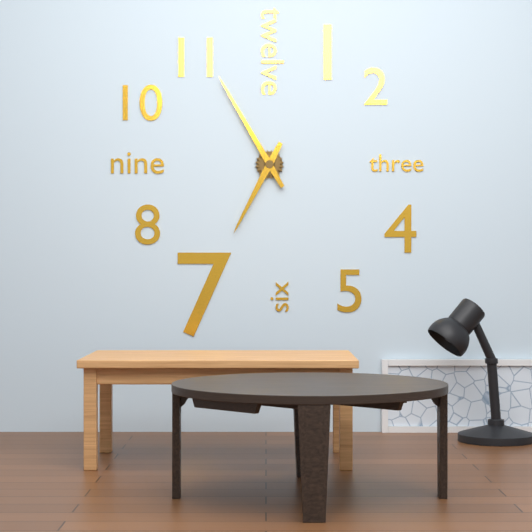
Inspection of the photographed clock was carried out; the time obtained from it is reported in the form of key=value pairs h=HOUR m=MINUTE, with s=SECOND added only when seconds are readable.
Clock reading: h=6 m=55
